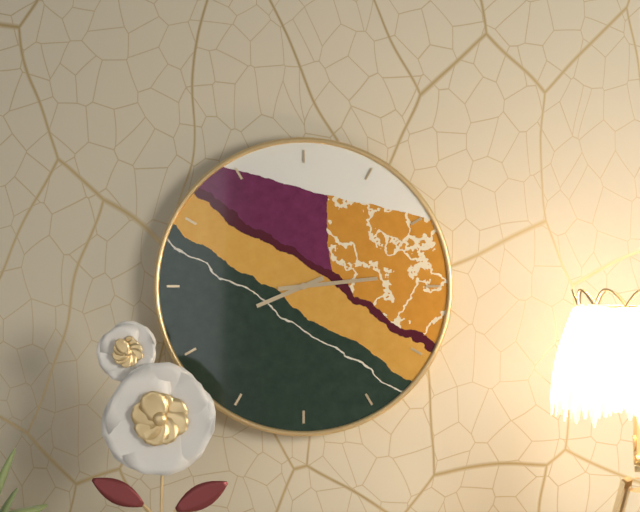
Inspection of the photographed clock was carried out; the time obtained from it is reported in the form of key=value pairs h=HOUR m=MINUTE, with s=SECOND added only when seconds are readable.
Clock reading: h=8 m=14
